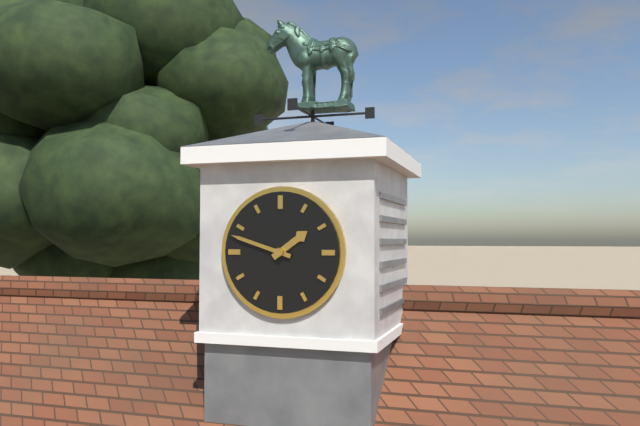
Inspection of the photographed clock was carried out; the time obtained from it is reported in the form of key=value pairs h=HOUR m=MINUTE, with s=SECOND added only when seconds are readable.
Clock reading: h=1 m=48
